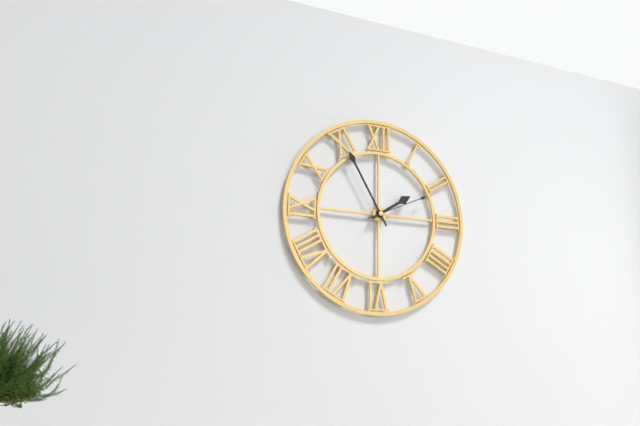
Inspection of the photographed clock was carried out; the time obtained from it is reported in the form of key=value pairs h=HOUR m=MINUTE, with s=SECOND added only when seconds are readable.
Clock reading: h=1 m=55 s=11
